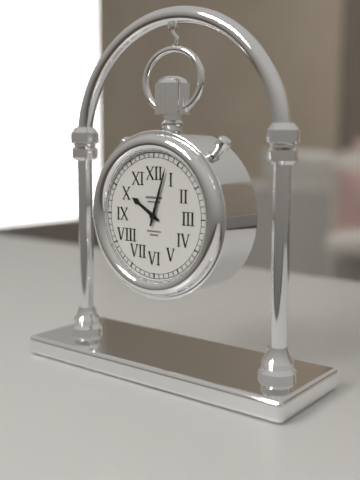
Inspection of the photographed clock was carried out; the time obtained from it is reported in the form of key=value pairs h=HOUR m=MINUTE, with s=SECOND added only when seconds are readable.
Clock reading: h=10 m=3
